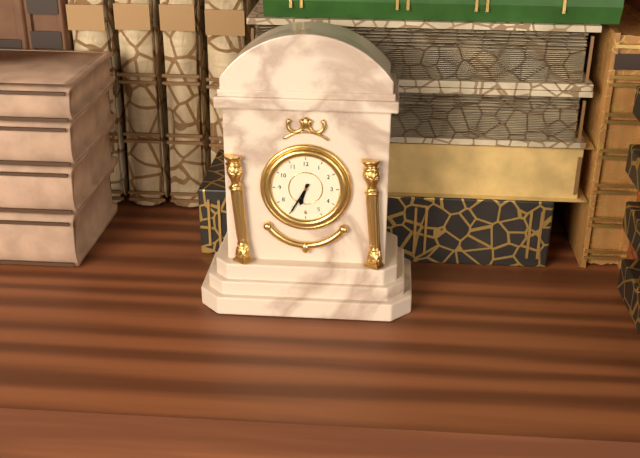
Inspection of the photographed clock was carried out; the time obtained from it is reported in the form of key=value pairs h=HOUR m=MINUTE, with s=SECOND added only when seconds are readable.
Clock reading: h=6 m=35
